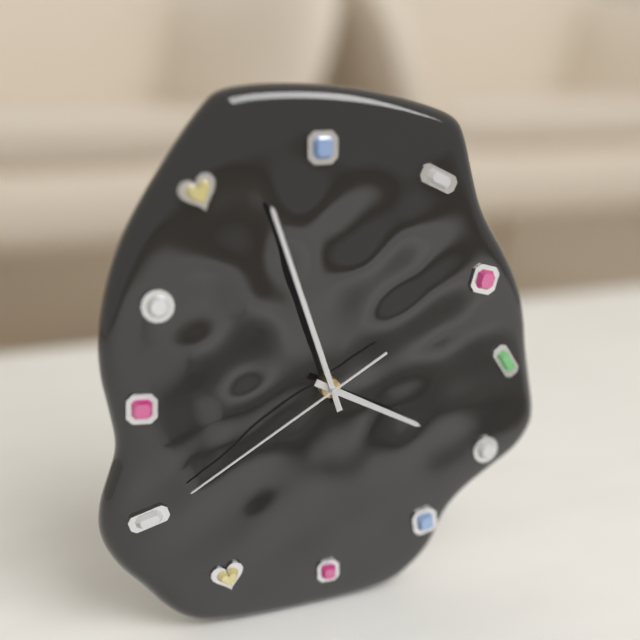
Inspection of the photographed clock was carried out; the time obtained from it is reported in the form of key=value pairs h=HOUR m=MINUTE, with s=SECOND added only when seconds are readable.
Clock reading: h=3 m=57 s=40
